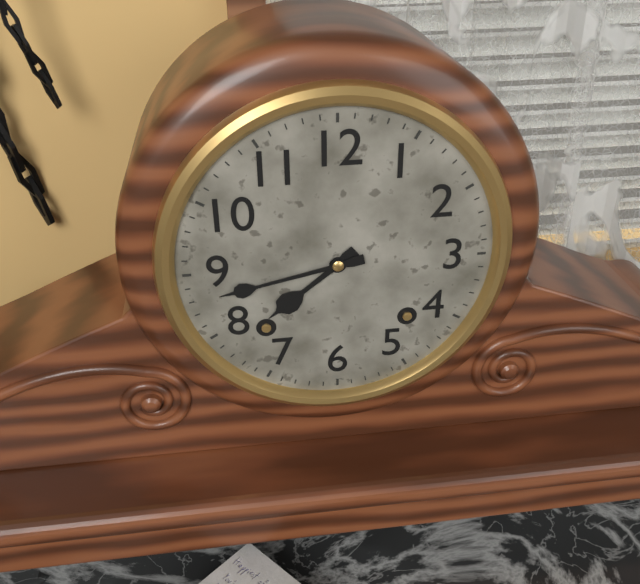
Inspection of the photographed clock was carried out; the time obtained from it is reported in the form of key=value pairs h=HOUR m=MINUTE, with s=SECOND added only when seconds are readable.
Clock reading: h=7 m=43
